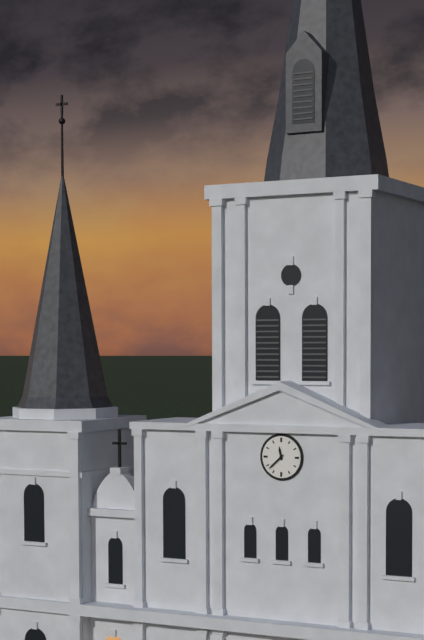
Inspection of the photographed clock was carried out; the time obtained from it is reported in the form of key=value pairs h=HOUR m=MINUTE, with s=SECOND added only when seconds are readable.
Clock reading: h=11 m=38
